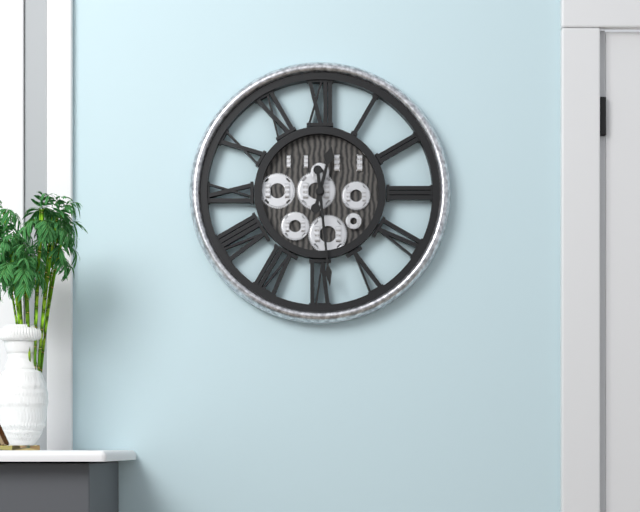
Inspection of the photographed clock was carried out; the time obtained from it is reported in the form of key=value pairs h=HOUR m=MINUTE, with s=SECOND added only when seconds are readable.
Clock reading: h=12 m=29
